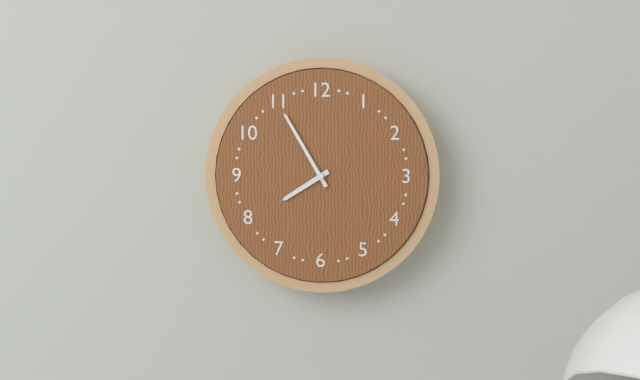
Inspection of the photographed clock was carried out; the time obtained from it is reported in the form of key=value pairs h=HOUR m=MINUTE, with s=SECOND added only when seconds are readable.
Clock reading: h=7 m=55
